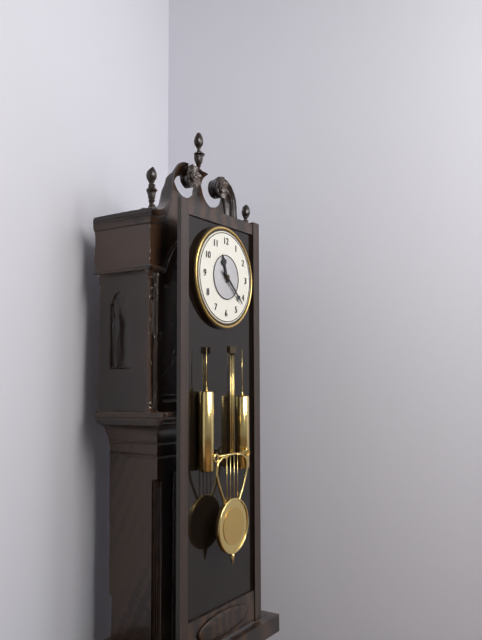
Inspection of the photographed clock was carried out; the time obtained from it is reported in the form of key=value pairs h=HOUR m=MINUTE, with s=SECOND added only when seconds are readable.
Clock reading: h=11 m=22
